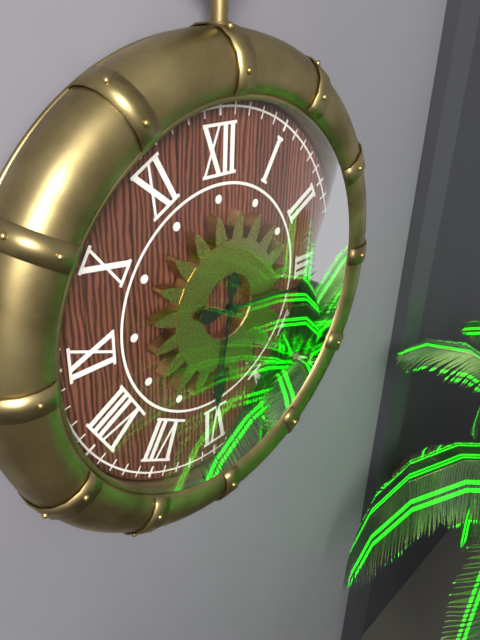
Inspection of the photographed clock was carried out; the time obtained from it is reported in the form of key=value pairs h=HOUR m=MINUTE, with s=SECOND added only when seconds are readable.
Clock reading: h=6 m=16
